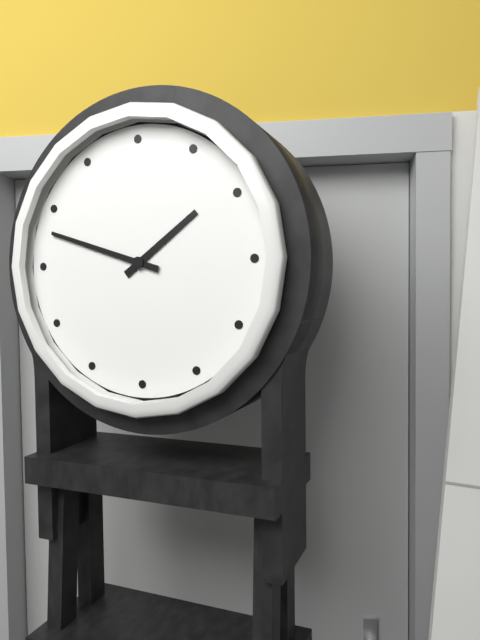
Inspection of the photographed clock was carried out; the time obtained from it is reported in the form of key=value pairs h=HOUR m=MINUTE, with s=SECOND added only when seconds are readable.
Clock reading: h=1 m=48
